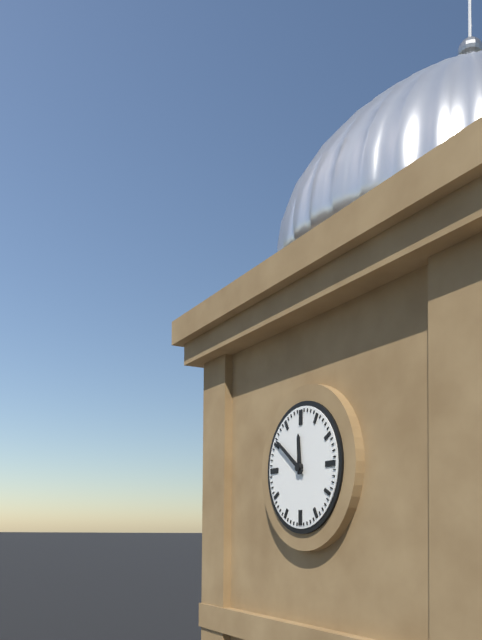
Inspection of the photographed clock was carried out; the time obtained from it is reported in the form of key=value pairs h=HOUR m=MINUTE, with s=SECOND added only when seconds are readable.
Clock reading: h=11 m=51
